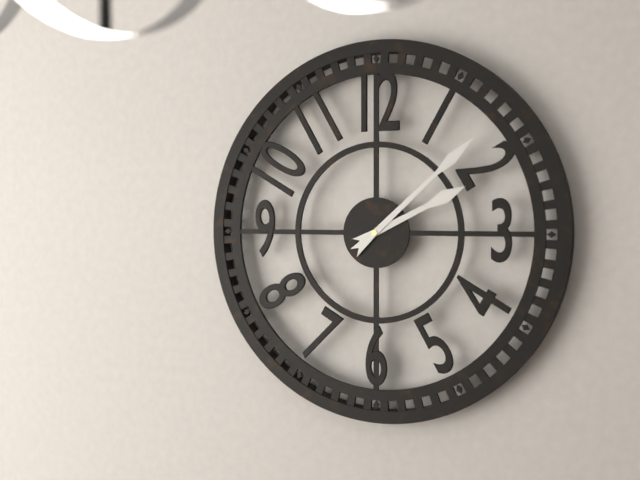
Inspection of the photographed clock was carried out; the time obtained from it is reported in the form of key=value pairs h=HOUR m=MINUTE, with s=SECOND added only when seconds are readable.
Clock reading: h=2 m=8
